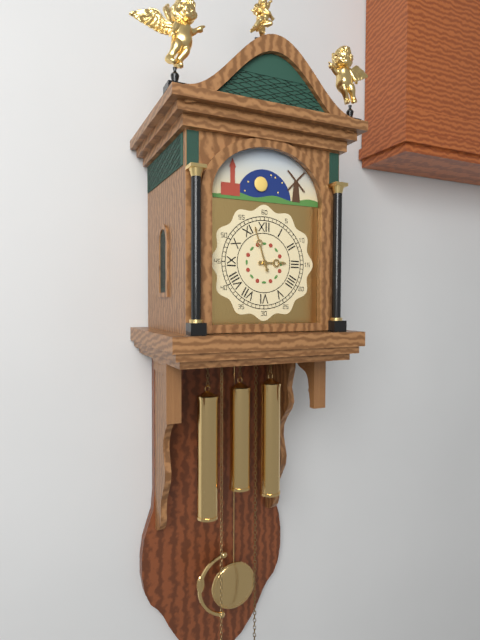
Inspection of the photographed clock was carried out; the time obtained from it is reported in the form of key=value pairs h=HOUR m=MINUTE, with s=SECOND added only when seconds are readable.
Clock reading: h=2 m=57
